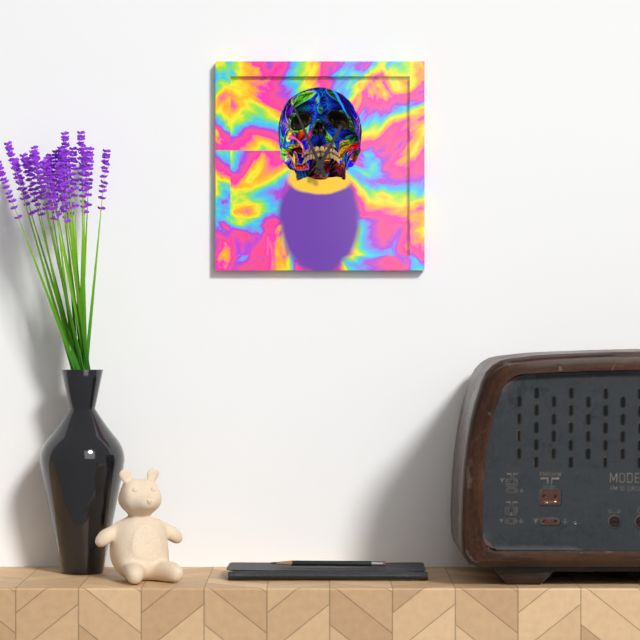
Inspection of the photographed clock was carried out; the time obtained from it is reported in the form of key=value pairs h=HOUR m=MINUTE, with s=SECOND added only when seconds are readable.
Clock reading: h=12 m=56
